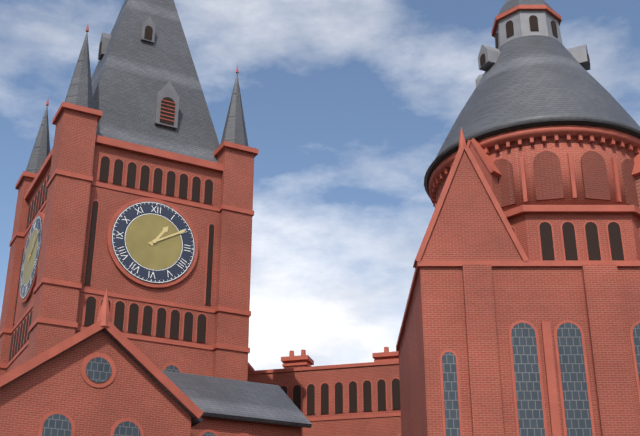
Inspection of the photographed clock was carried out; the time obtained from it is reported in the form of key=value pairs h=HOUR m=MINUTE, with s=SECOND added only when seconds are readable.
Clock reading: h=1 m=10
